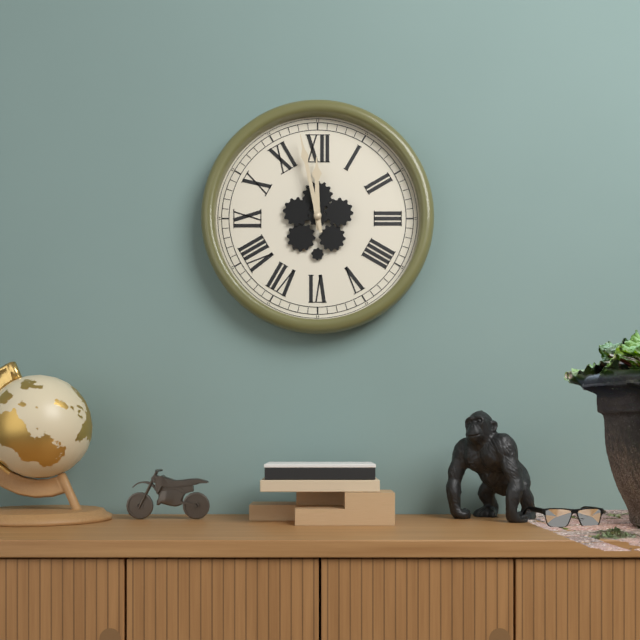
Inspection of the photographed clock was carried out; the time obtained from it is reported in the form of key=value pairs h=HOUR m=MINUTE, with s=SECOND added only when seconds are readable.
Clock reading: h=11 m=58
